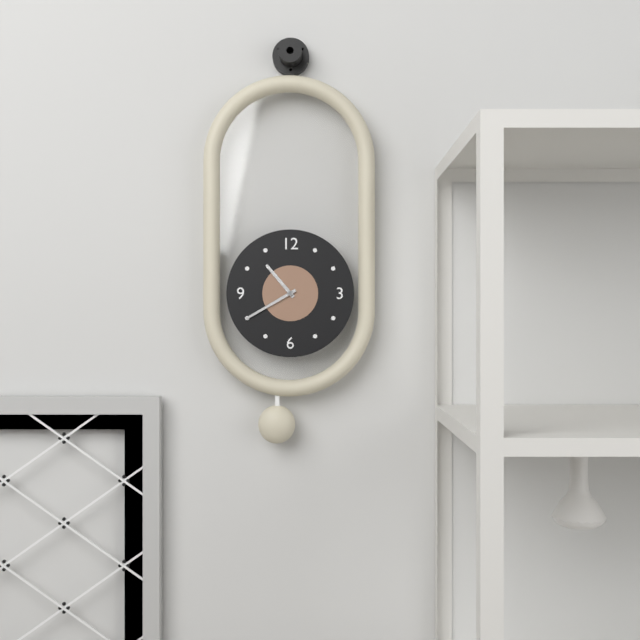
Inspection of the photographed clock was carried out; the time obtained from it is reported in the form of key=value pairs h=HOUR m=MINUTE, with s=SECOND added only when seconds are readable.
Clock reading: h=10 m=40
